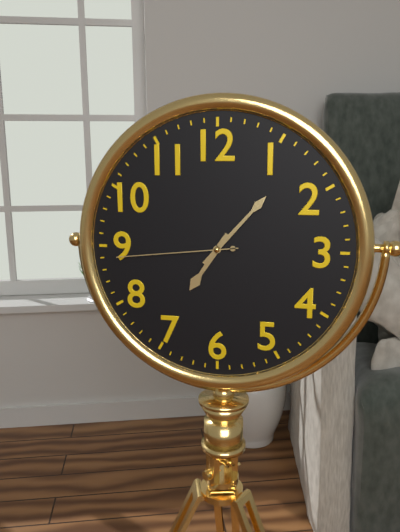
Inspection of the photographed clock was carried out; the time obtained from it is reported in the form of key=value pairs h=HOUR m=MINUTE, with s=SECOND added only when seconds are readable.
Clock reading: h=7 m=7 s=44
